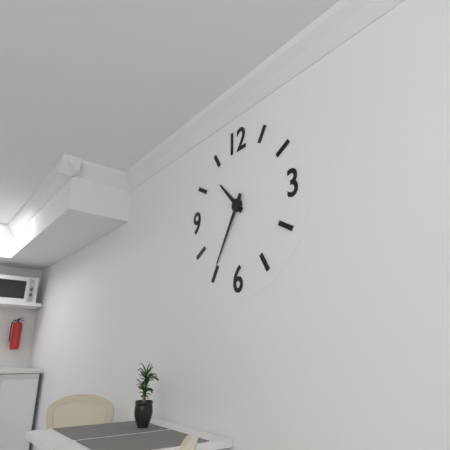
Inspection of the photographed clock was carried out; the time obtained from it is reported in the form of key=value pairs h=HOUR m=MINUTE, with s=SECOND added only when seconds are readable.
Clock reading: h=10 m=35
